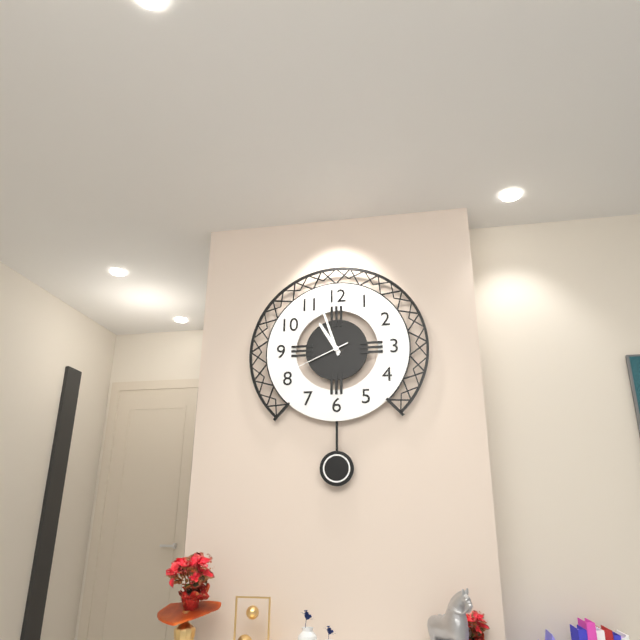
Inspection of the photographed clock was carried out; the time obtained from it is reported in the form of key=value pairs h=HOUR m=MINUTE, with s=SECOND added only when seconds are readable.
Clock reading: h=10 m=57 s=41
